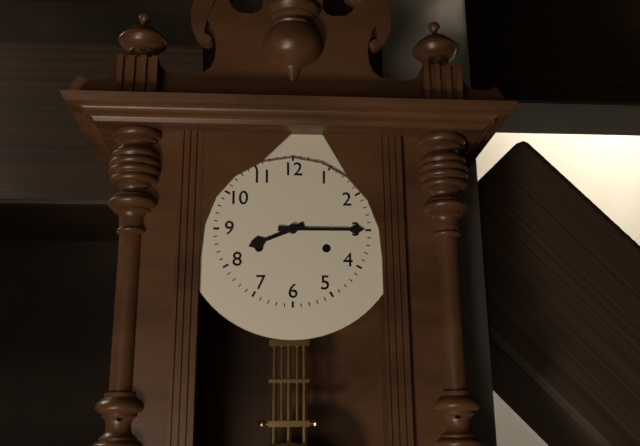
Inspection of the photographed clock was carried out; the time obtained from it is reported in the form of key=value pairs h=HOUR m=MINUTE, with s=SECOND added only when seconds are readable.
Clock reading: h=8 m=15
